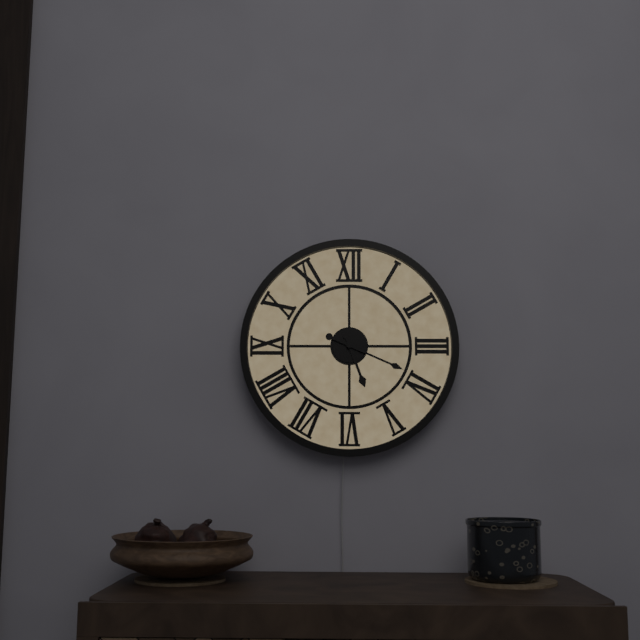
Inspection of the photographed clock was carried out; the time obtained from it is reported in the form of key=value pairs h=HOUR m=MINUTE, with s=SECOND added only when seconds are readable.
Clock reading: h=5 m=19
